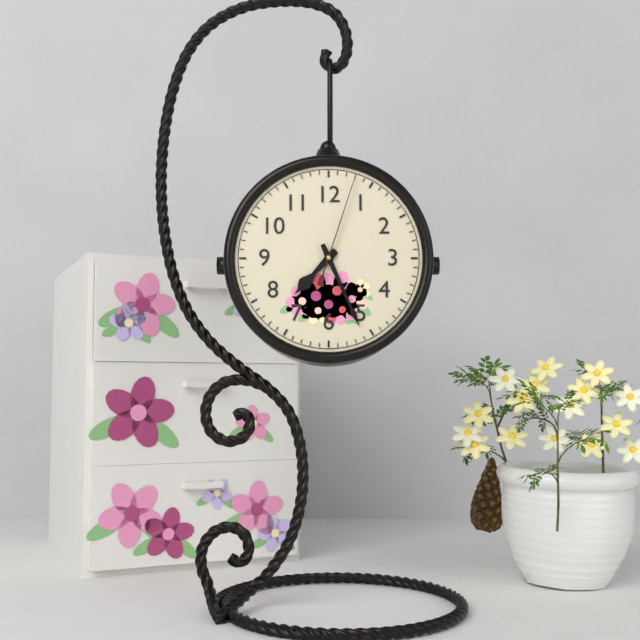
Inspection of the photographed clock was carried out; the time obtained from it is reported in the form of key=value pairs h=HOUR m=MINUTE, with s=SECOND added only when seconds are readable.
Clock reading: h=7 m=26 s=3
